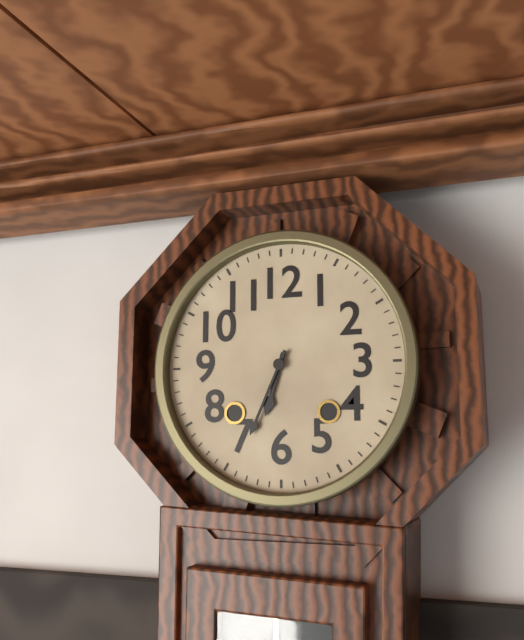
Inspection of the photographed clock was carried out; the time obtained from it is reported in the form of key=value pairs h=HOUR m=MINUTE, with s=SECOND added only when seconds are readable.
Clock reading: h=6 m=34
